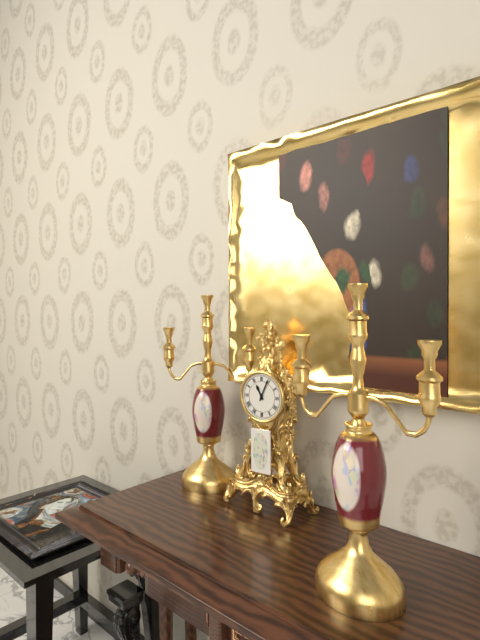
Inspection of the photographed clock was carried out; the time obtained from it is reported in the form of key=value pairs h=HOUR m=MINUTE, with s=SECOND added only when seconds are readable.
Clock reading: h=11 m=4
